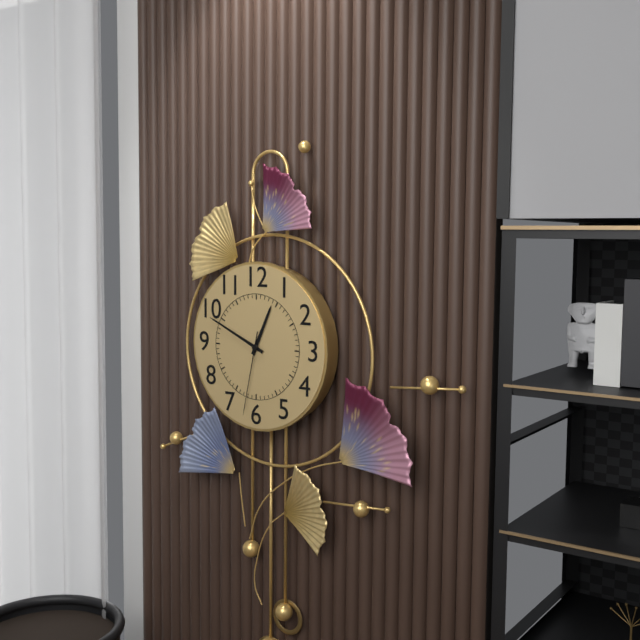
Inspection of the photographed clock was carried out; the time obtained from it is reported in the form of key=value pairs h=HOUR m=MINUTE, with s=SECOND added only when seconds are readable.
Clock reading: h=12 m=49 s=32
